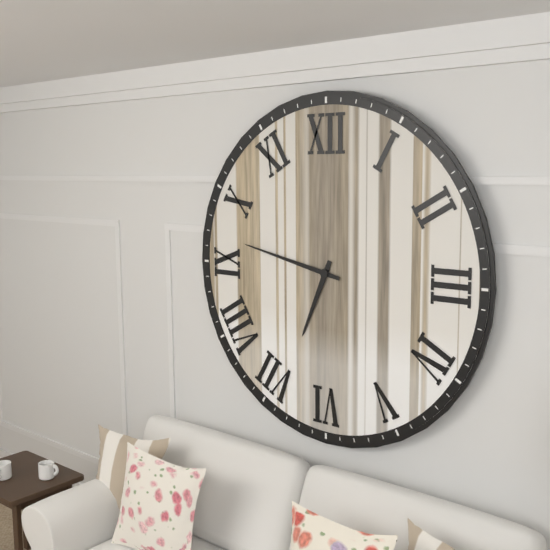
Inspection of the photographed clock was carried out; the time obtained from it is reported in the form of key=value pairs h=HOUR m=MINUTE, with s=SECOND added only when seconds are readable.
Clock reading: h=6 m=47
